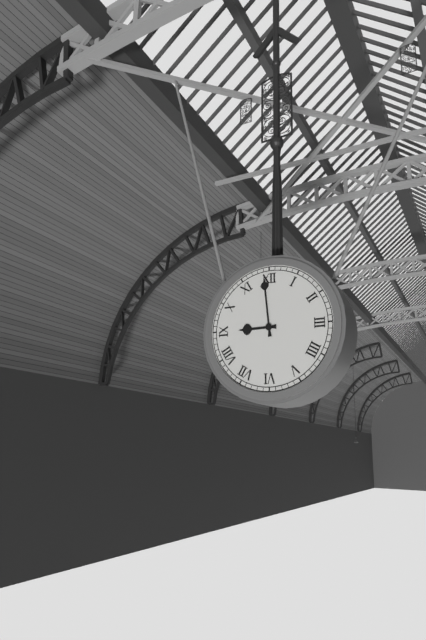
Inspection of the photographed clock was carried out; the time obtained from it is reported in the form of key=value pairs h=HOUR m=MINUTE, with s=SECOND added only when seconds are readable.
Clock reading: h=8 m=59
